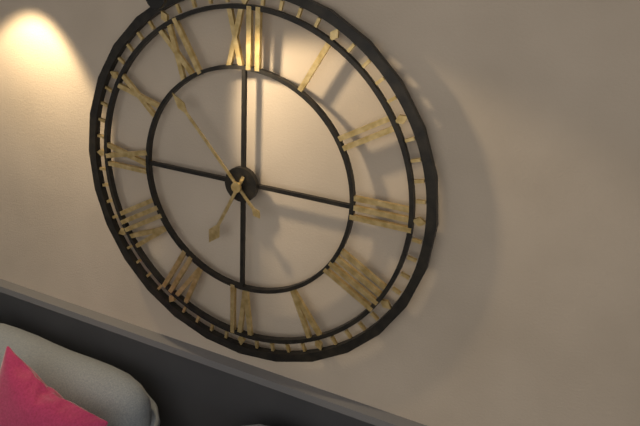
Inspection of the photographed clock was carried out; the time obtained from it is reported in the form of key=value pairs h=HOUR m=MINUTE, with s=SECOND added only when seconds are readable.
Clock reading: h=6 m=53
